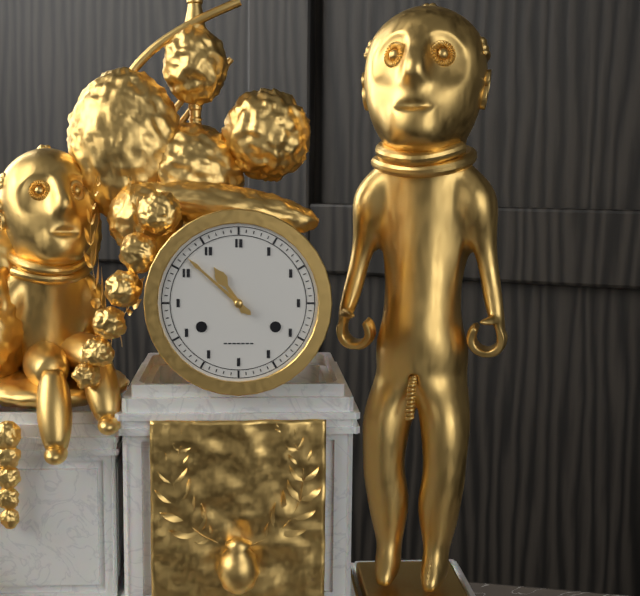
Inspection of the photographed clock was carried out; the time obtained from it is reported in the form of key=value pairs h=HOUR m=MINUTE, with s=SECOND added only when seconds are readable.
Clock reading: h=10 m=52
